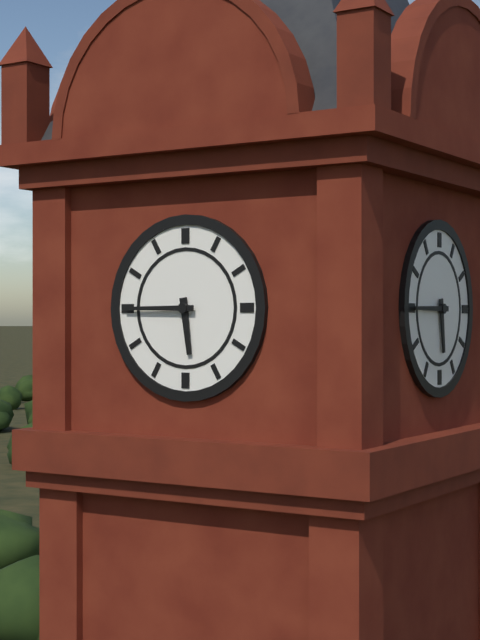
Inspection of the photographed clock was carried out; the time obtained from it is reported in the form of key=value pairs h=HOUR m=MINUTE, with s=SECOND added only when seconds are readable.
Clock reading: h=5 m=45
